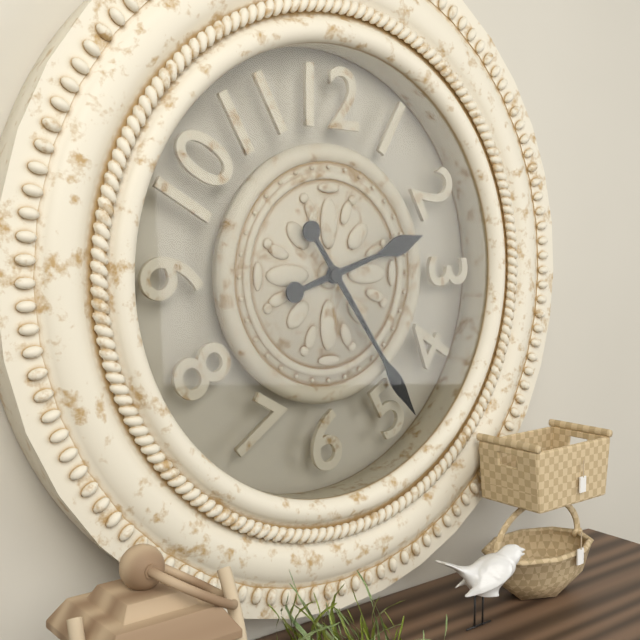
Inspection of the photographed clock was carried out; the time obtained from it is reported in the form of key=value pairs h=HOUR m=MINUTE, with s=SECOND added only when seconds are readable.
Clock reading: h=2 m=24
